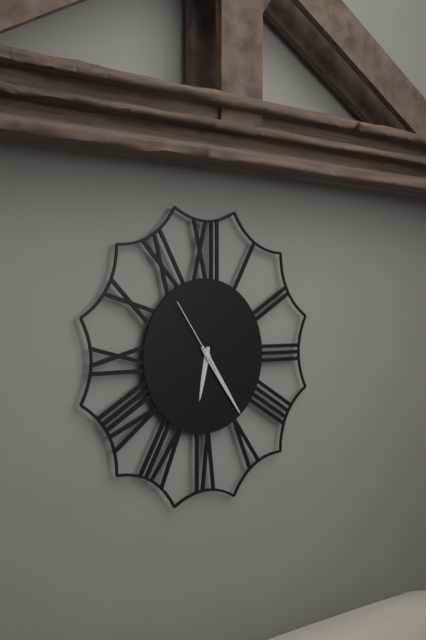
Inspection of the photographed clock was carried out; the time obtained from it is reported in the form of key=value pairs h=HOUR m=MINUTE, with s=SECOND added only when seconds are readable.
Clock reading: h=6 m=24 s=54
